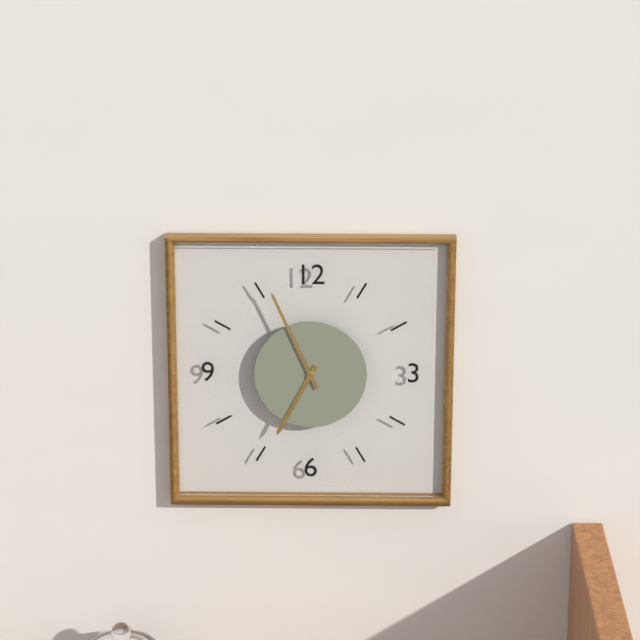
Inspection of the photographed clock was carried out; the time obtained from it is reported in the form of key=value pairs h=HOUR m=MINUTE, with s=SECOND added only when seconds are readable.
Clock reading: h=6 m=56
